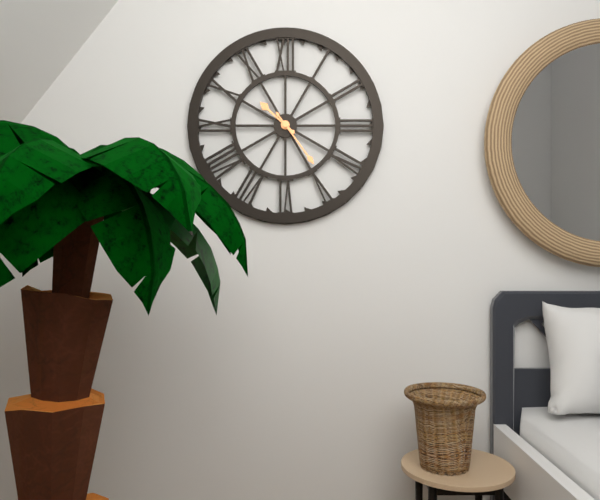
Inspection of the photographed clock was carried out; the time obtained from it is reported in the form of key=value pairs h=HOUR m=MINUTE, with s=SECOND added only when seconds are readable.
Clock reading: h=10 m=24
